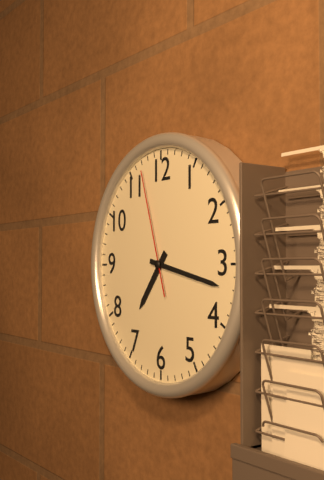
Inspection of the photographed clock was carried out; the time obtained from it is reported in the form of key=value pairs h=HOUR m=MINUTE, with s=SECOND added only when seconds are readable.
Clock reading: h=7 m=17 s=57
